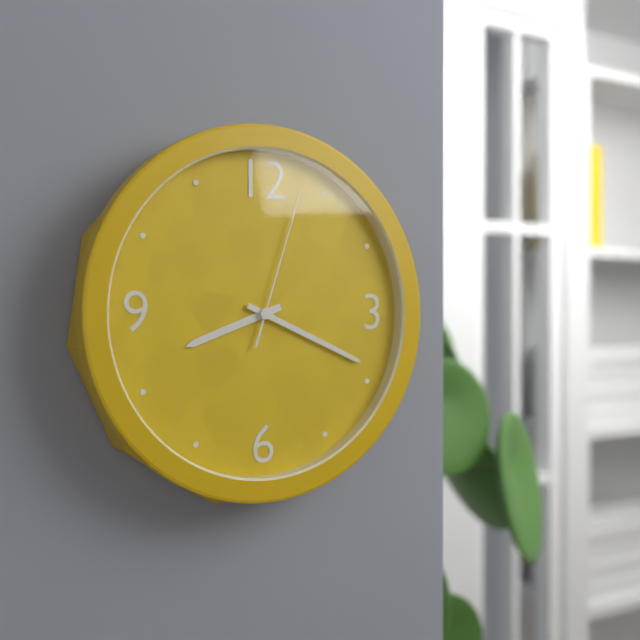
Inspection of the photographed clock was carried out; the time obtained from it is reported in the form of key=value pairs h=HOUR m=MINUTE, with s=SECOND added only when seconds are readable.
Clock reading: h=8 m=19 s=3
